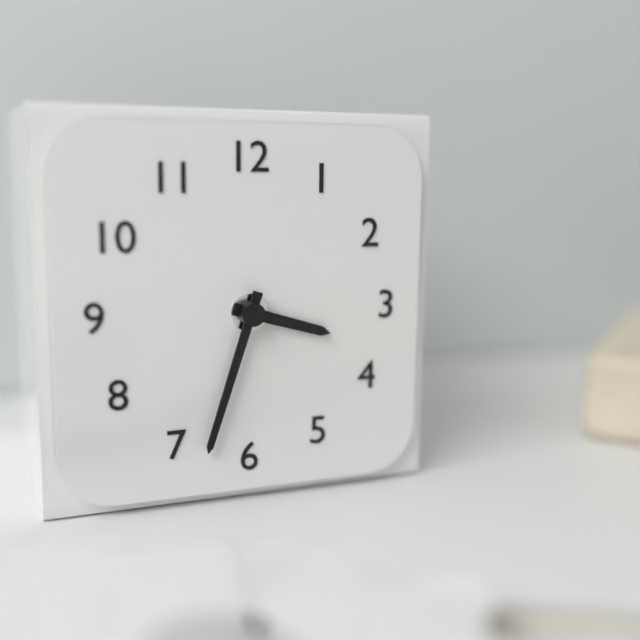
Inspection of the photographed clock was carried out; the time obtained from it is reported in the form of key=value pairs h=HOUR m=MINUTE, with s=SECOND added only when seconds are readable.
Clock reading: h=3 m=33
